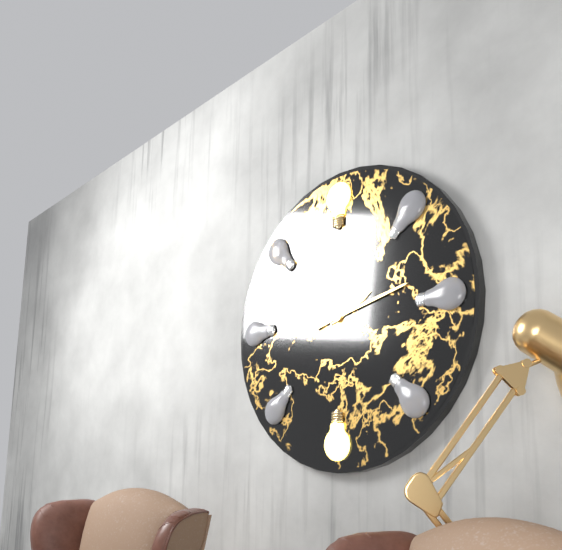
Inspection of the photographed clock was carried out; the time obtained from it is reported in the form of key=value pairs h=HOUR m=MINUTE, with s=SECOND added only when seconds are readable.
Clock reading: h=2 m=13
